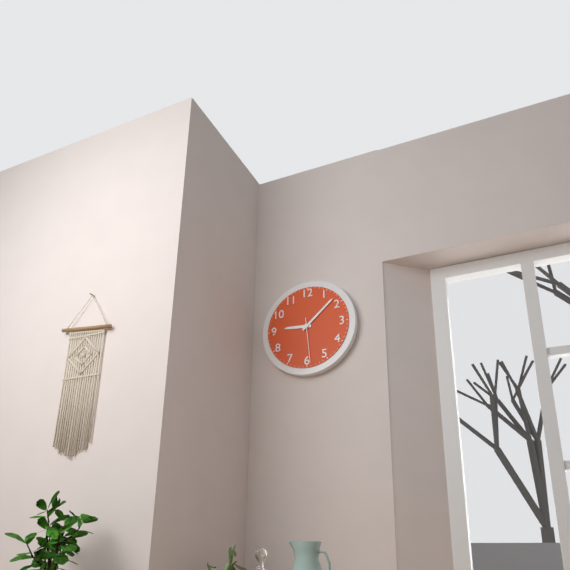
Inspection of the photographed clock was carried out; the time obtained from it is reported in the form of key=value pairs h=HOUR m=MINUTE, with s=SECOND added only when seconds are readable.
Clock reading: h=9 m=8
